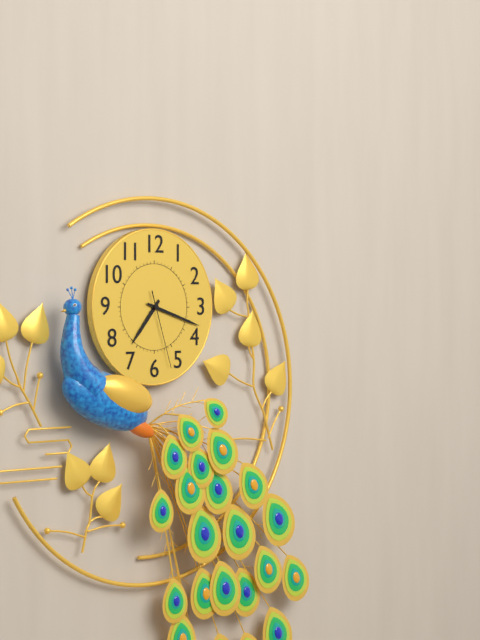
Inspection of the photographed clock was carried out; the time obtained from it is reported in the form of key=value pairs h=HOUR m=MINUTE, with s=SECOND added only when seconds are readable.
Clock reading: h=7 m=18 s=27
